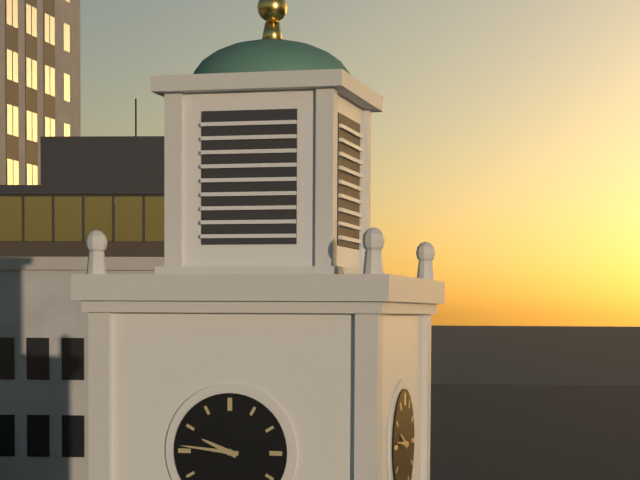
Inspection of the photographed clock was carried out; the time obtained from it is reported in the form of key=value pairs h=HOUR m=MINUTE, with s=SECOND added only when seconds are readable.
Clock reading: h=9 m=46
